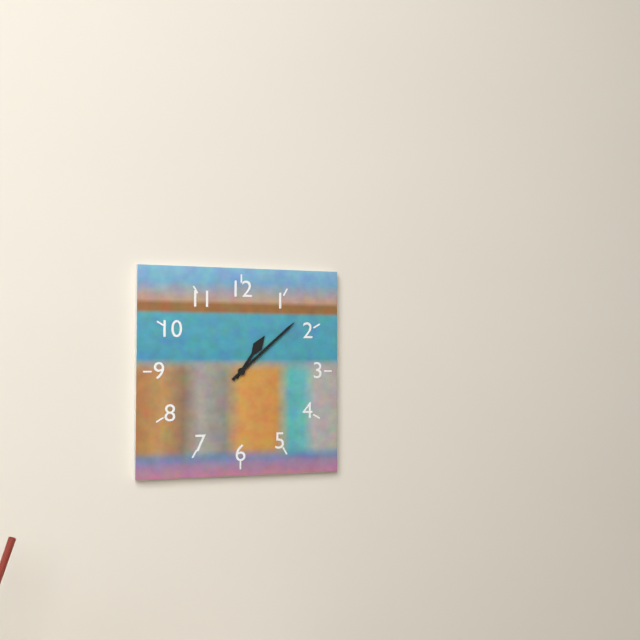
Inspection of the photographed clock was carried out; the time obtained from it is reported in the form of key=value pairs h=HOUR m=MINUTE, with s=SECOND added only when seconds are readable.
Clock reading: h=1 m=8
